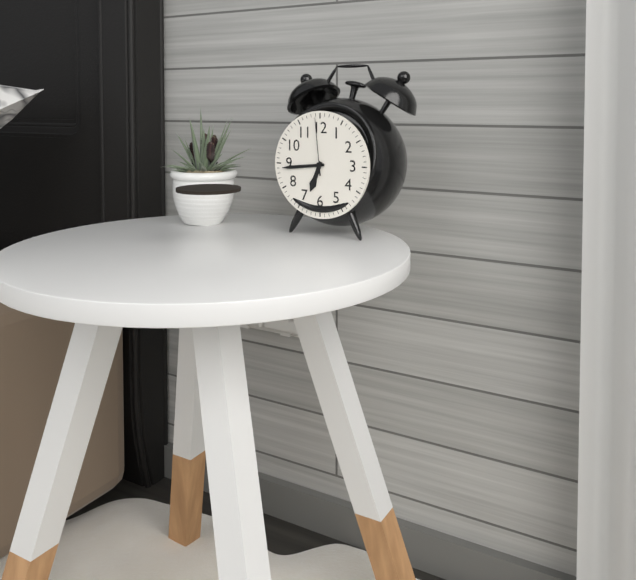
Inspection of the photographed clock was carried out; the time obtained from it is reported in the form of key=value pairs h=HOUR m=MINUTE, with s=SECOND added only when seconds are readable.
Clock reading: h=6 m=44 s=59
